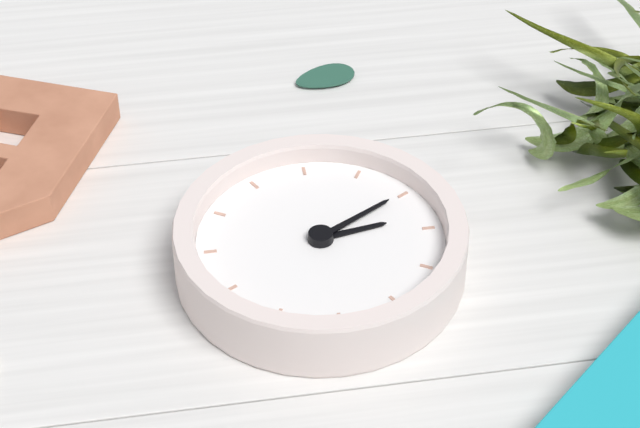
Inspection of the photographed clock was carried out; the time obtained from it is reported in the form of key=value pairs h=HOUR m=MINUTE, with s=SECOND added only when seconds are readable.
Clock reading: h=8 m=40
